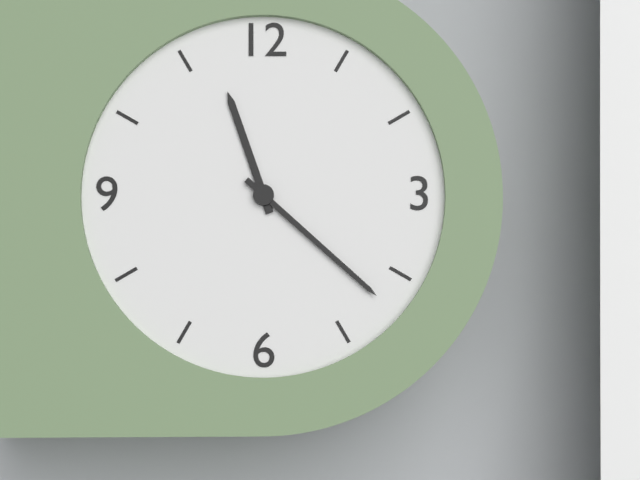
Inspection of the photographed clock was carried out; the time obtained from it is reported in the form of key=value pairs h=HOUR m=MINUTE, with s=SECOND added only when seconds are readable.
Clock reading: h=11 m=22
